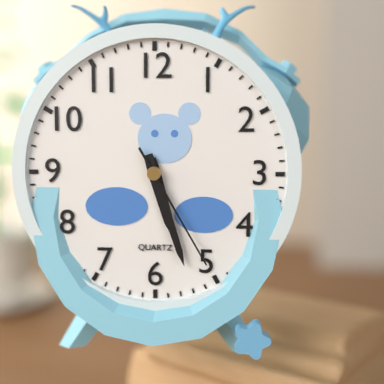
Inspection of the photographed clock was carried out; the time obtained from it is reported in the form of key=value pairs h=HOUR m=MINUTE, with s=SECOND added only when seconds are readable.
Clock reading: h=5 m=27 s=25
